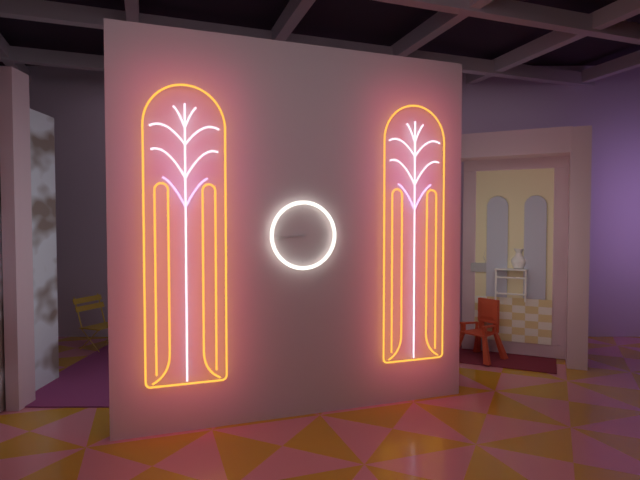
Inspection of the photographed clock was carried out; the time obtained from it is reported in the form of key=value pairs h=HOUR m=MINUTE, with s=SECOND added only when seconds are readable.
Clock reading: h=8 m=44
